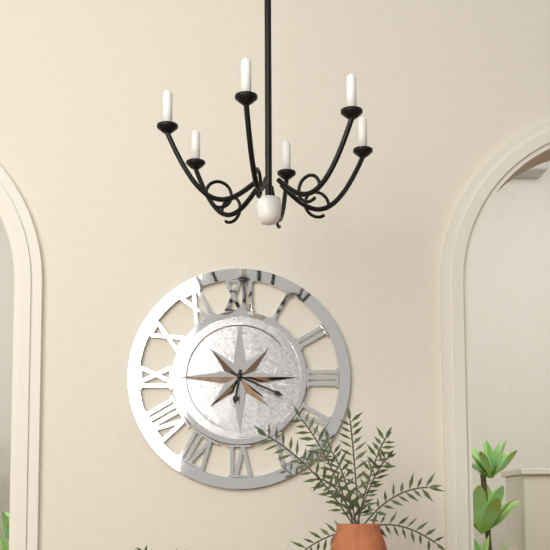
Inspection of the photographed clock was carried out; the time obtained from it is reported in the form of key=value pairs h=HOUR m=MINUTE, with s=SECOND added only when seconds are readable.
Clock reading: h=6 m=19
